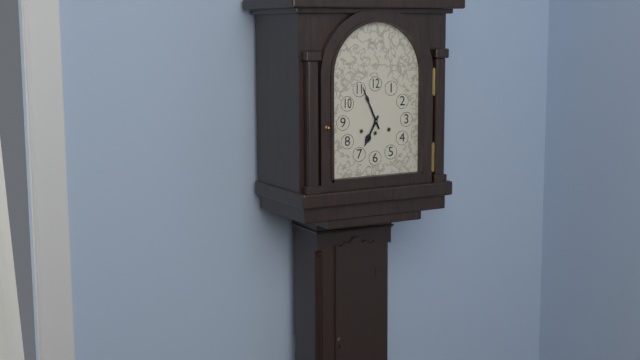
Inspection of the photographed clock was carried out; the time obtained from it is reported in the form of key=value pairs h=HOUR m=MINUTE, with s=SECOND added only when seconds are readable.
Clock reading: h=6 m=56
